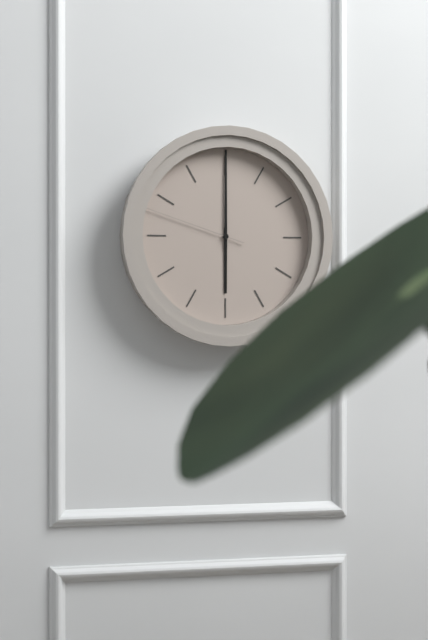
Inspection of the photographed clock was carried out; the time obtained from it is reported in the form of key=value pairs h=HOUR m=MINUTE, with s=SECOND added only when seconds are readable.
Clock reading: h=6 m=0 s=48
